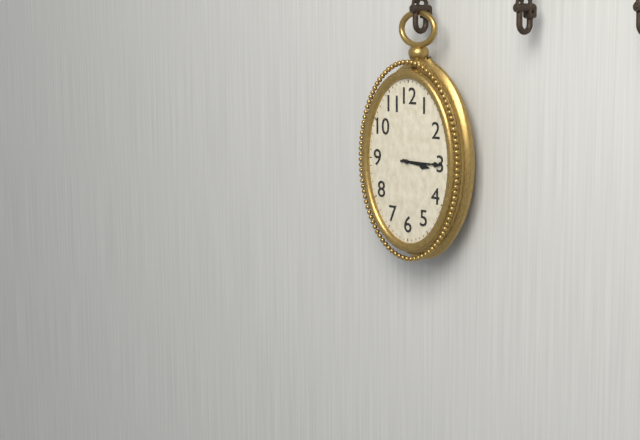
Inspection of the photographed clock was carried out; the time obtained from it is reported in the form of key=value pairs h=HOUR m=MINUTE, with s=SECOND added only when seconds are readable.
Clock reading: h=3 m=15
